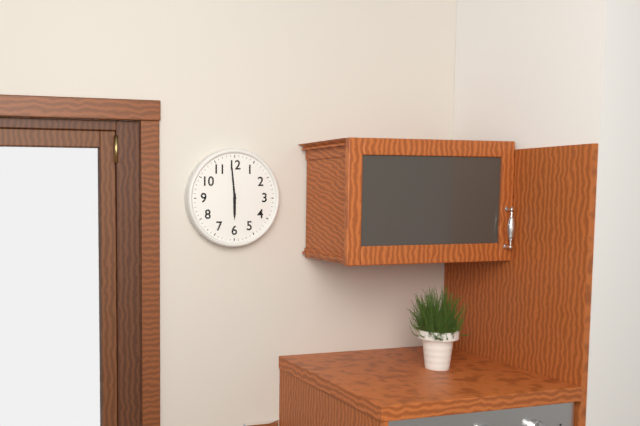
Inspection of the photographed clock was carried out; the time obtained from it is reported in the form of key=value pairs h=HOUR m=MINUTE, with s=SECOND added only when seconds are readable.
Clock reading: h=5 m=59
